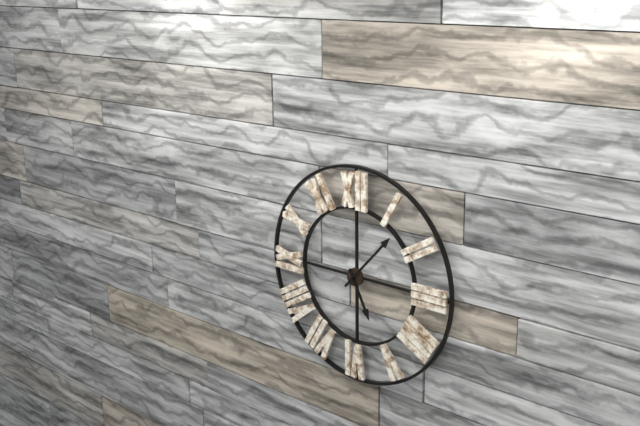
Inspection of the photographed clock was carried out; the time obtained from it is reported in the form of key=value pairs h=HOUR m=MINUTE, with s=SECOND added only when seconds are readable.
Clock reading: h=5 m=7
